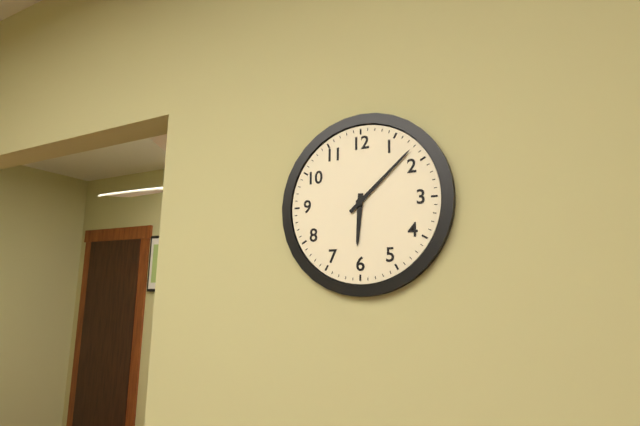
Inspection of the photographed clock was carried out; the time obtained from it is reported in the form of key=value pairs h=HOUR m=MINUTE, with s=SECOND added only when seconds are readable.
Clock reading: h=6 m=8
